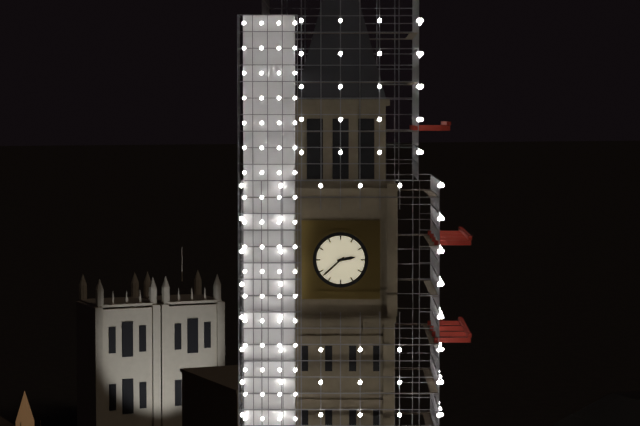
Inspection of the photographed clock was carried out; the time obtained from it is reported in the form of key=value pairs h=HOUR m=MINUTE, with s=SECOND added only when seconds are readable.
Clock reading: h=2 m=38
